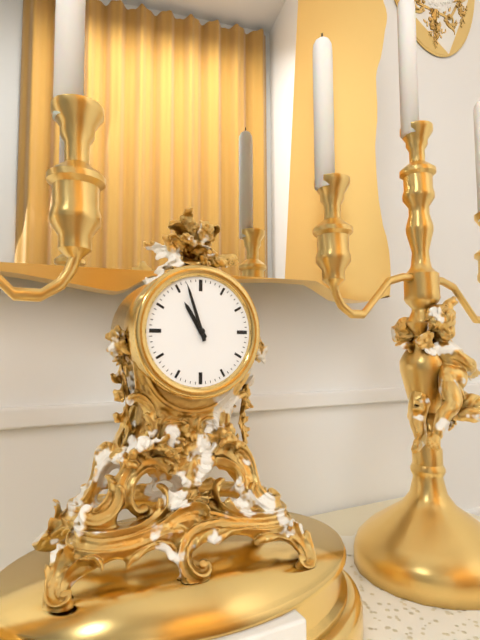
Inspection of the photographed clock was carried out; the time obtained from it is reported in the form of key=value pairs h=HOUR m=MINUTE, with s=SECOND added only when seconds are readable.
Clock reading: h=10 m=57
